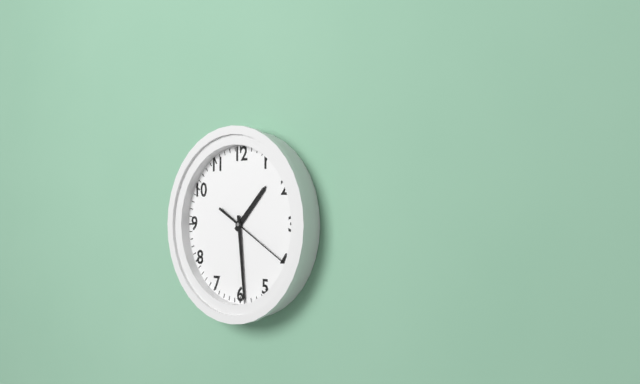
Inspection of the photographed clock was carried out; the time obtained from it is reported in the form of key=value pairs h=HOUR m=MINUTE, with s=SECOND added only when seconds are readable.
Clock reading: h=1 m=29 s=20
